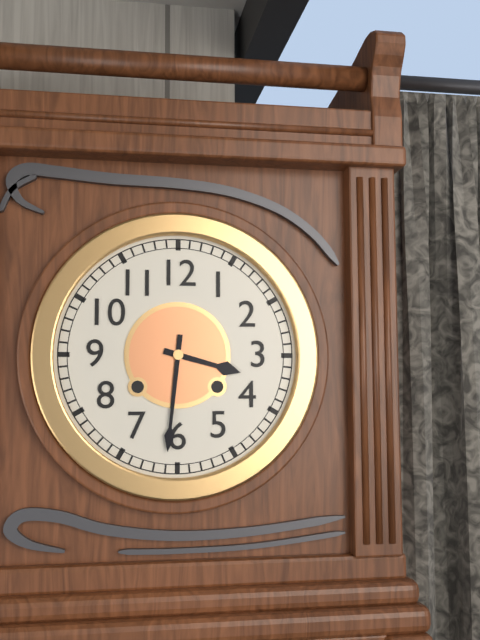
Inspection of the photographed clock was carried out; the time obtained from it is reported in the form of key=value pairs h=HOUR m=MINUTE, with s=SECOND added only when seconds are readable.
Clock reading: h=3 m=31
